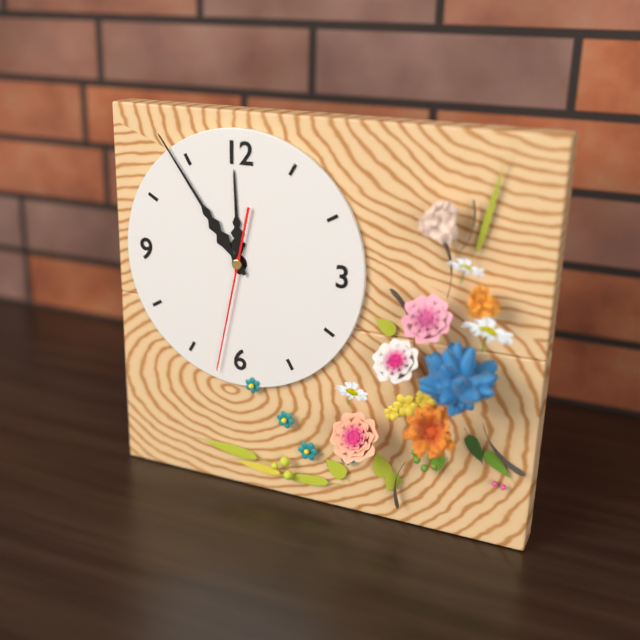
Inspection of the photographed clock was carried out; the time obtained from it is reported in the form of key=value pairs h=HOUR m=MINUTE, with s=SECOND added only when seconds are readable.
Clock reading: h=11 m=54 s=32
